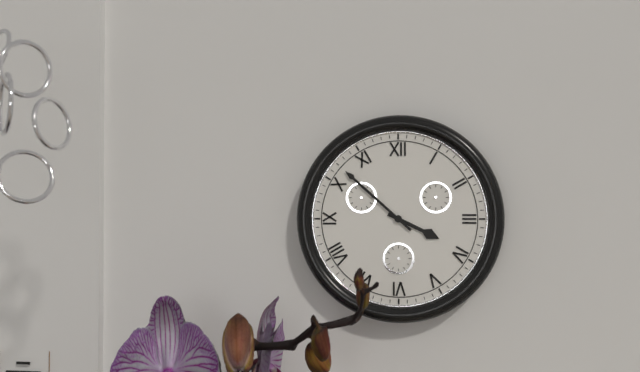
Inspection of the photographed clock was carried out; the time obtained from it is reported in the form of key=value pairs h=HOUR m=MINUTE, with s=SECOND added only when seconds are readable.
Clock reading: h=3 m=52
